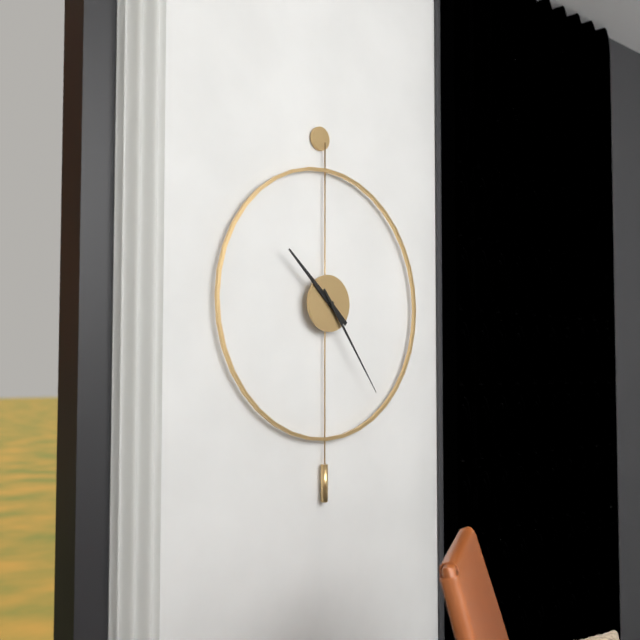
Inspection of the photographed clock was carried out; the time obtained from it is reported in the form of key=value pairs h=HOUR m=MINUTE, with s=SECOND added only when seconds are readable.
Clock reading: h=10 m=24
